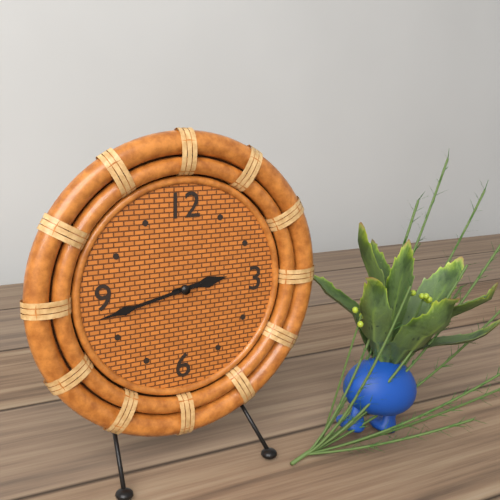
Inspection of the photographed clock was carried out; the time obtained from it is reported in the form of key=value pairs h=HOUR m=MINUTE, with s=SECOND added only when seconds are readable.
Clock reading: h=2 m=43
